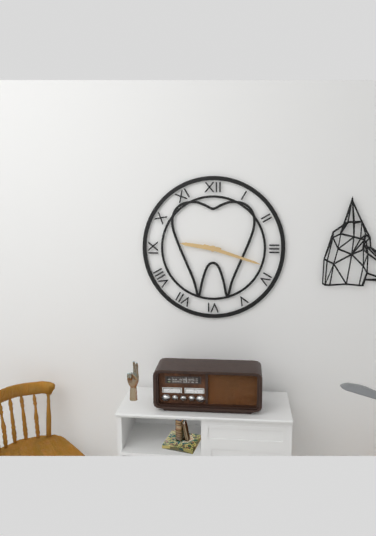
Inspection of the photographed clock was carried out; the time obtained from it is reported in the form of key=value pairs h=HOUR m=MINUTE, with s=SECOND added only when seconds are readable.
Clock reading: h=9 m=18
